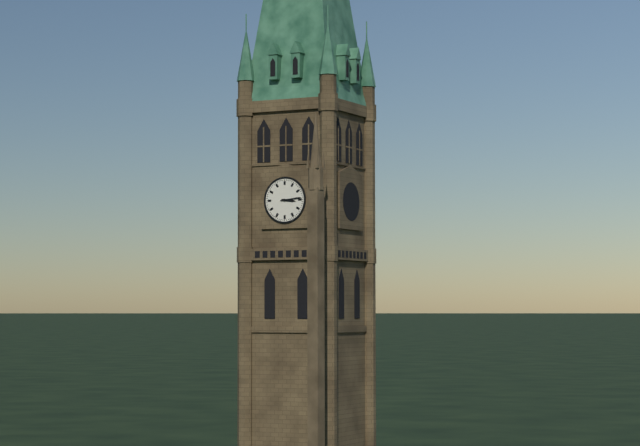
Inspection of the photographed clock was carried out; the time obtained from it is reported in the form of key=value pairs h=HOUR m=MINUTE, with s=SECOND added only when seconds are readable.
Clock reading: h=3 m=14
